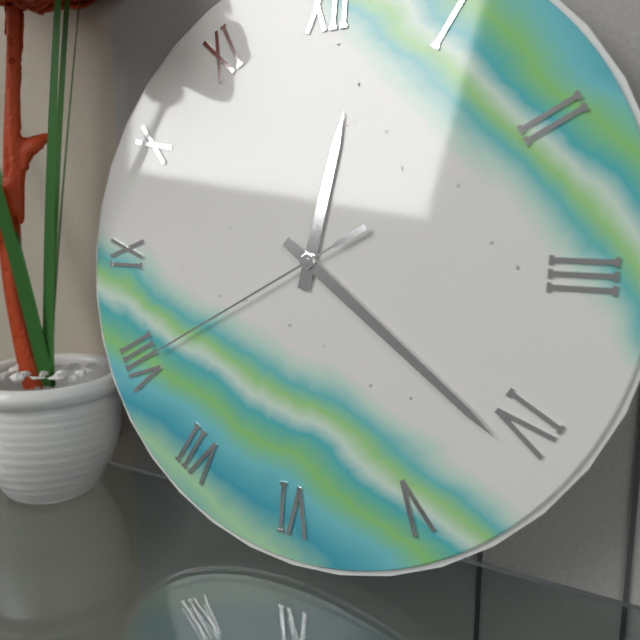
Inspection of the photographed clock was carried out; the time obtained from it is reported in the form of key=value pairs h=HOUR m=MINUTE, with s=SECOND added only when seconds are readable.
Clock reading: h=12 m=21 s=40
